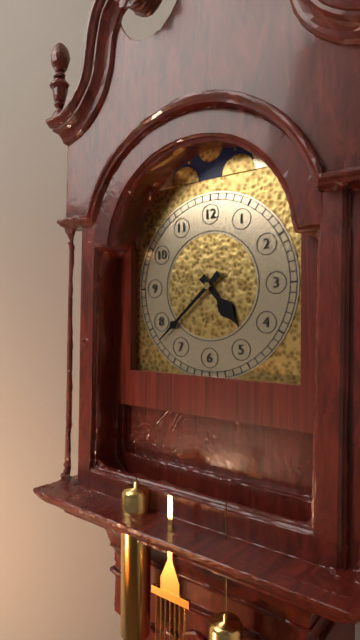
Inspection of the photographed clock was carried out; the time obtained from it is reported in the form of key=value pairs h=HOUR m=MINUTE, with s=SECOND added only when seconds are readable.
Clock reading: h=4 m=38
